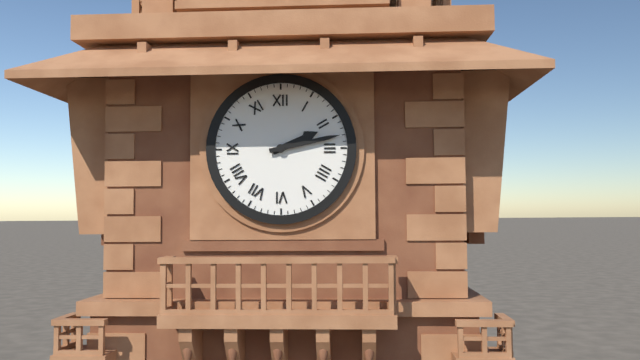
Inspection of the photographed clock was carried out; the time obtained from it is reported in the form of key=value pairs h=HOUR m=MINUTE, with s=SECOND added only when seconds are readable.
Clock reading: h=2 m=13
